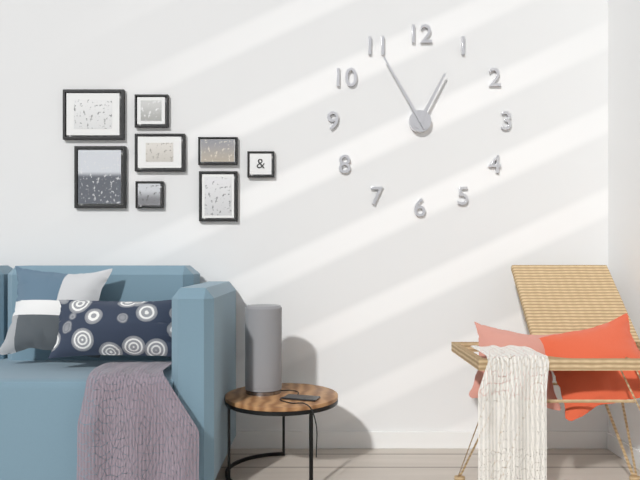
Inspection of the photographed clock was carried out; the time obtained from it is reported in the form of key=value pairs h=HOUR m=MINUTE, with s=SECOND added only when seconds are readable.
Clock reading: h=12 m=55
